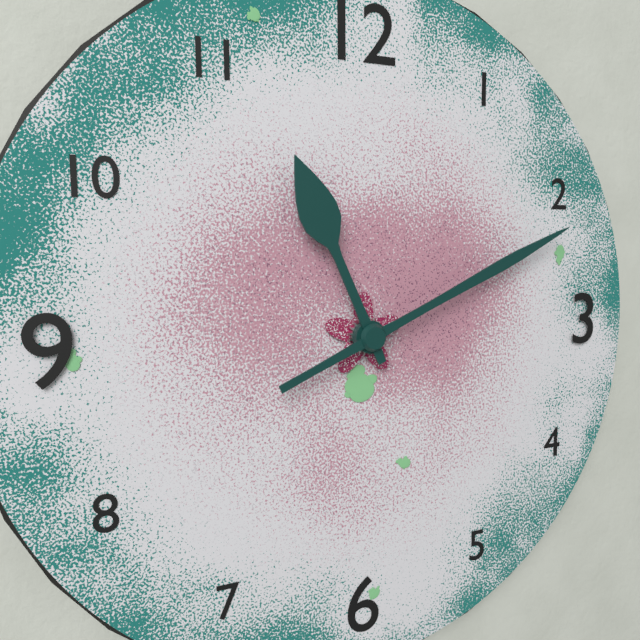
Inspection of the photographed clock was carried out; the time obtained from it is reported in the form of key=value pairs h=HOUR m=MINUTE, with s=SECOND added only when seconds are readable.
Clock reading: h=11 m=11
